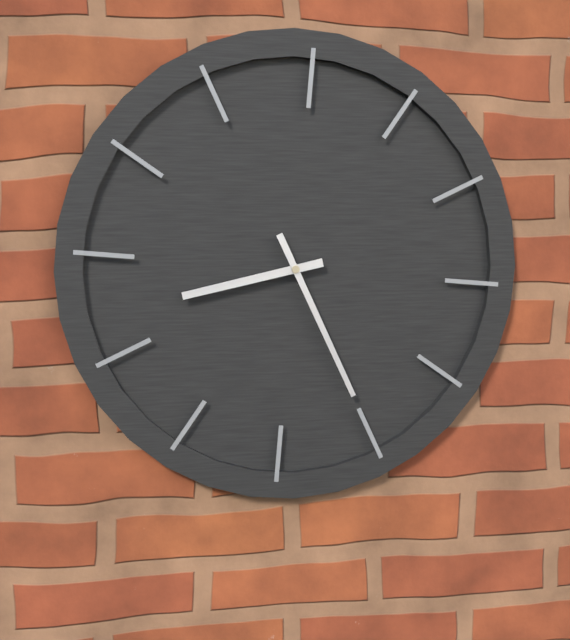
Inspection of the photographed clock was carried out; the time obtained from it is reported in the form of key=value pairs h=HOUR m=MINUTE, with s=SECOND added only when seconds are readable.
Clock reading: h=8 m=25
